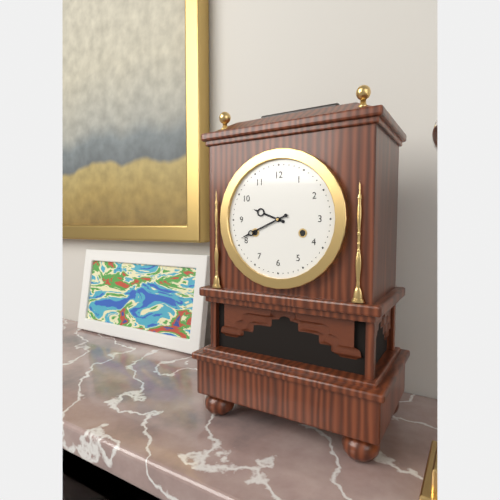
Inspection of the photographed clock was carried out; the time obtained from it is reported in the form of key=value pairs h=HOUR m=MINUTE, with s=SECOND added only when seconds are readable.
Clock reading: h=9 m=41
